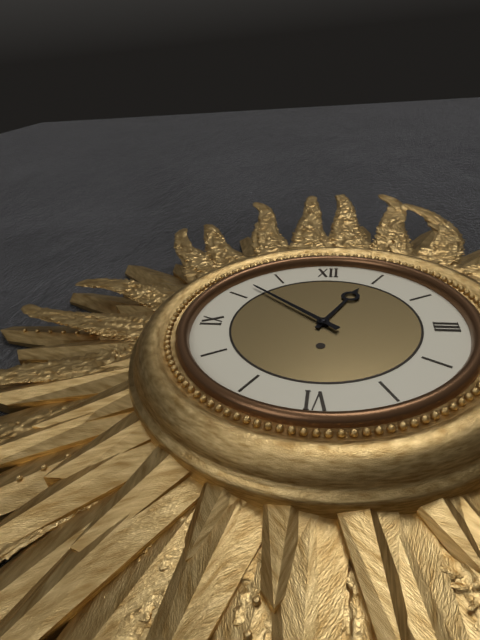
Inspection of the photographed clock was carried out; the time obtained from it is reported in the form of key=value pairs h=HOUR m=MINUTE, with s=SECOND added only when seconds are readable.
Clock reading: h=12 m=52
